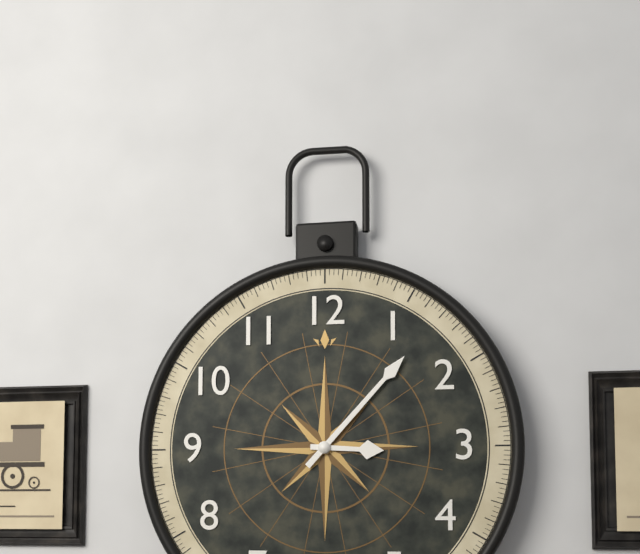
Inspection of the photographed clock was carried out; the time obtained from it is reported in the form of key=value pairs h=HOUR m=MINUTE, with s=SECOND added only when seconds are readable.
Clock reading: h=3 m=7
